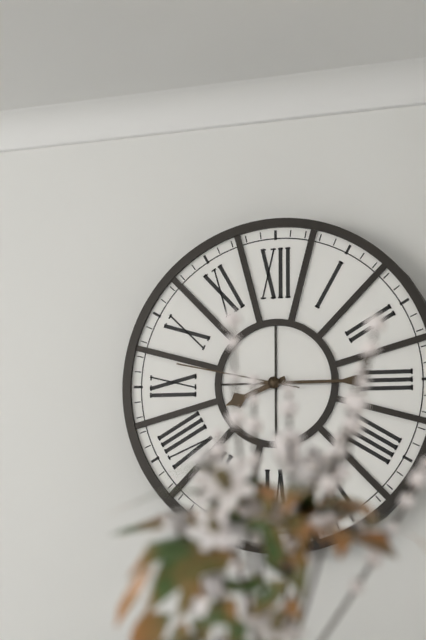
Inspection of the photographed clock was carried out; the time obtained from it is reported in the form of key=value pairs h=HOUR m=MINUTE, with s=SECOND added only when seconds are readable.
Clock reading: h=8 m=15 s=47
